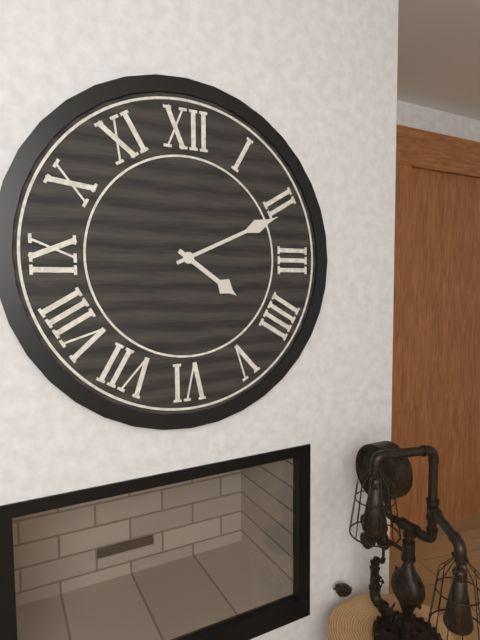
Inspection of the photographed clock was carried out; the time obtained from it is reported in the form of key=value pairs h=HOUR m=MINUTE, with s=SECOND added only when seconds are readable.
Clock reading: h=4 m=11
